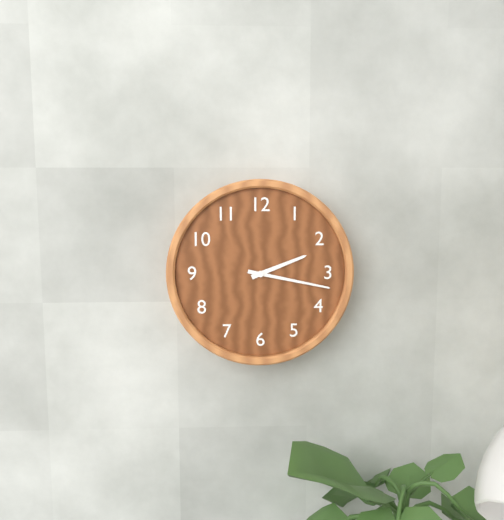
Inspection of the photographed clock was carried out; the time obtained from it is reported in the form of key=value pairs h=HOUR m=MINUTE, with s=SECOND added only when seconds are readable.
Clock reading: h=2 m=17
